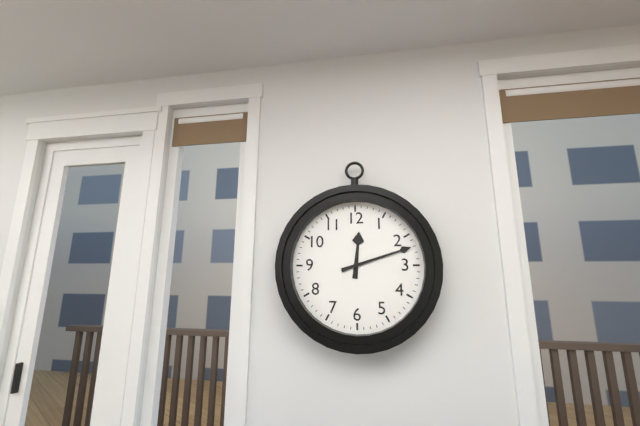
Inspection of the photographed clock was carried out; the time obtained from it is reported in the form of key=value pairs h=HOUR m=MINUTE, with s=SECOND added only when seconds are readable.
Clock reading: h=12 m=12
